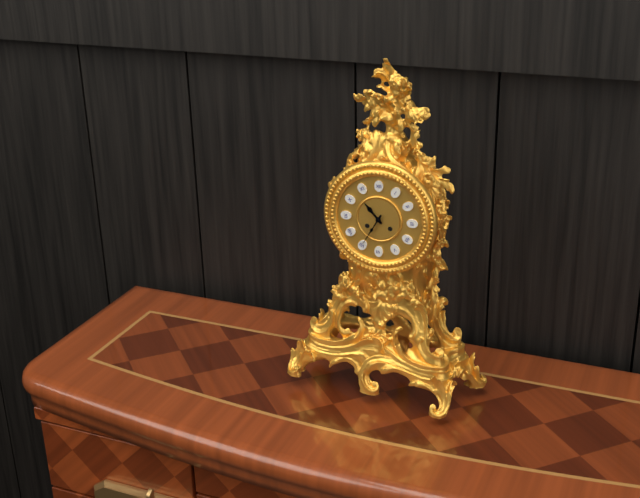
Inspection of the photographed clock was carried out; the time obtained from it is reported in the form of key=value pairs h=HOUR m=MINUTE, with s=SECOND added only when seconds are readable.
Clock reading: h=10 m=35
